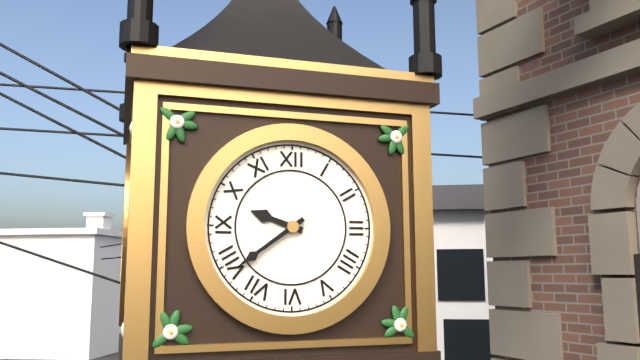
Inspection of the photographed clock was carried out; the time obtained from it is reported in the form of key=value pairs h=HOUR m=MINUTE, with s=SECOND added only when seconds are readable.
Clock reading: h=9 m=39
